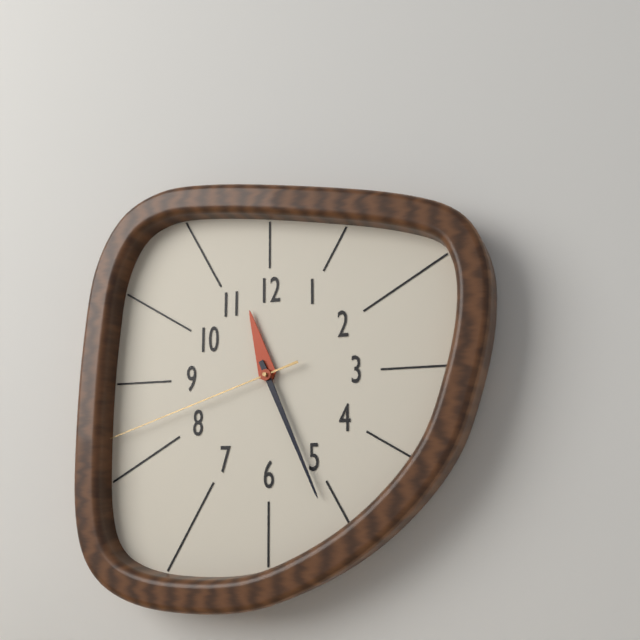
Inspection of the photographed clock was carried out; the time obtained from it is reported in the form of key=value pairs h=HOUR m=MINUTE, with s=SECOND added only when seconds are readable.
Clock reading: h=11 m=26 s=42
